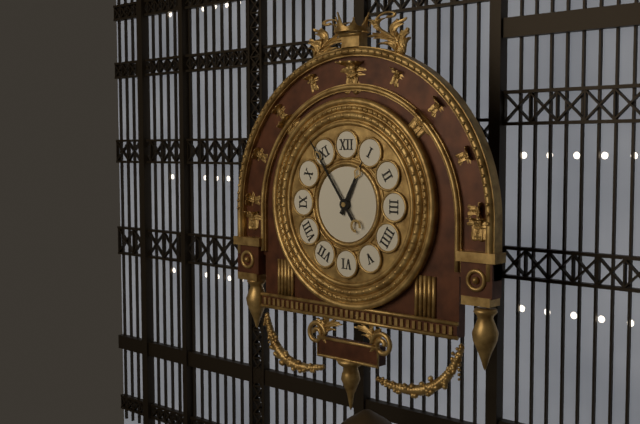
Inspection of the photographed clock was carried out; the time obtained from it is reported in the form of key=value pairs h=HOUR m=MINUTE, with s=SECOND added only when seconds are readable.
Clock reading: h=12 m=54
